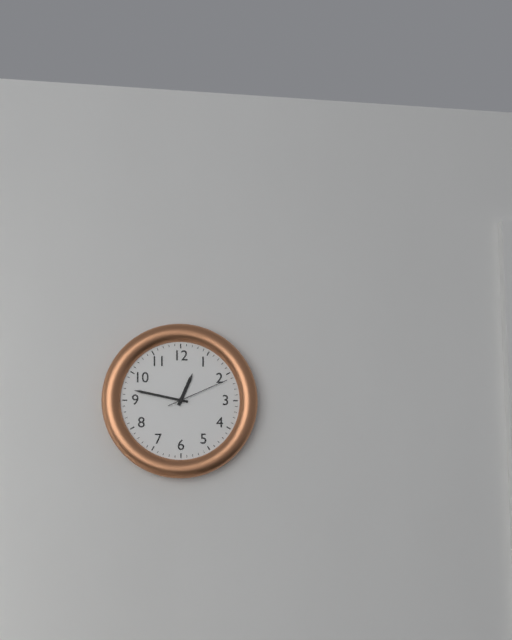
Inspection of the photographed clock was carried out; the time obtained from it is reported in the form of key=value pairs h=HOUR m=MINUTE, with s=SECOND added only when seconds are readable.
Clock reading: h=12 m=47 s=11
